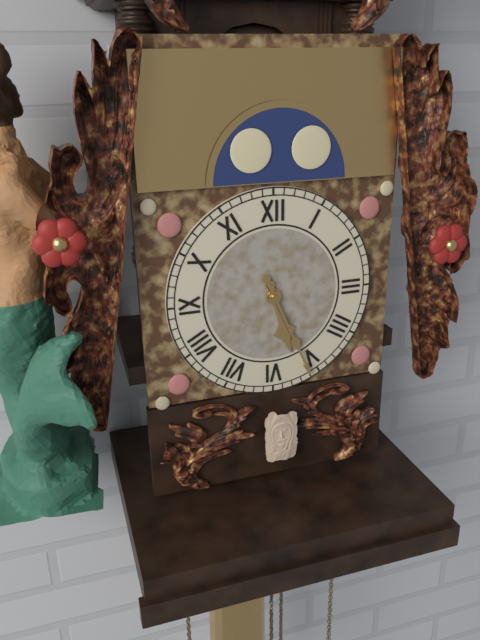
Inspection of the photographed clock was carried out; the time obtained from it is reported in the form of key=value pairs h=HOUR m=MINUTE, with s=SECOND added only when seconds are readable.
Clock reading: h=5 m=26
